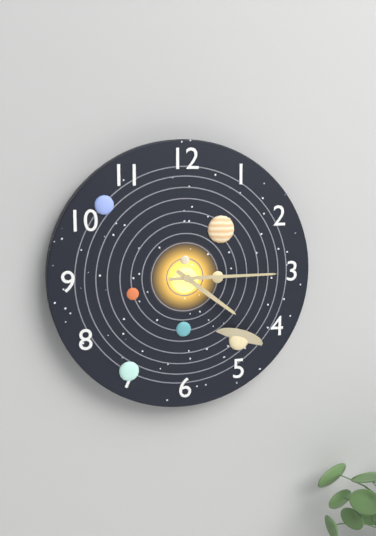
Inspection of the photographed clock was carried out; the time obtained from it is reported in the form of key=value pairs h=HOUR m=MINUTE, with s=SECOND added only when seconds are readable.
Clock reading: h=4 m=15
